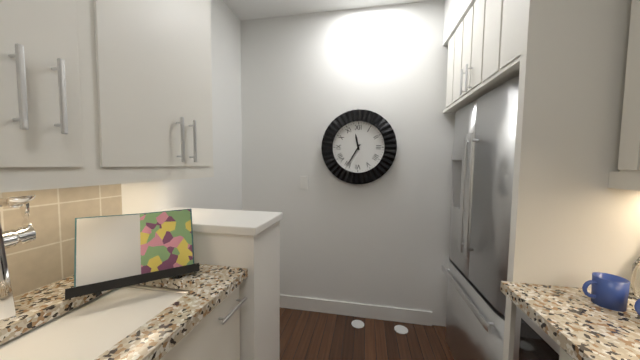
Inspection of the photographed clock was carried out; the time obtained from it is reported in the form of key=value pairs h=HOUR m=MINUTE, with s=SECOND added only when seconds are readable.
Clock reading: h=11 m=35
